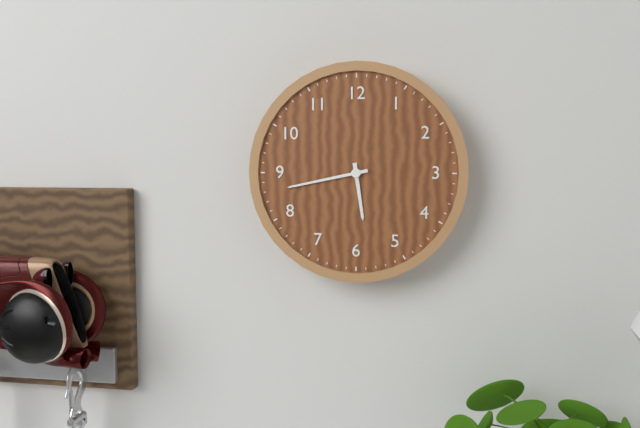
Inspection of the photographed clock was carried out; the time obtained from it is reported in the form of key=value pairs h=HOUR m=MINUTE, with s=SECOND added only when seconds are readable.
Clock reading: h=5 m=43
